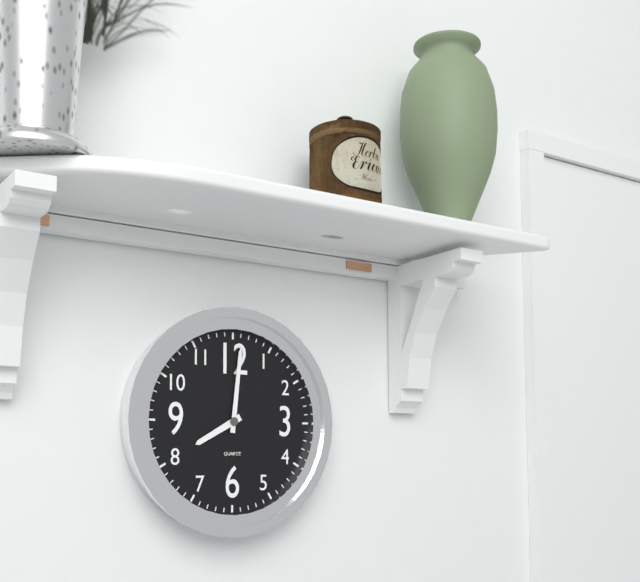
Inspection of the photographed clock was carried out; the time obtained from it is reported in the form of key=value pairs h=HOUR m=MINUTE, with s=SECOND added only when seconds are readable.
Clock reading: h=8 m=1
